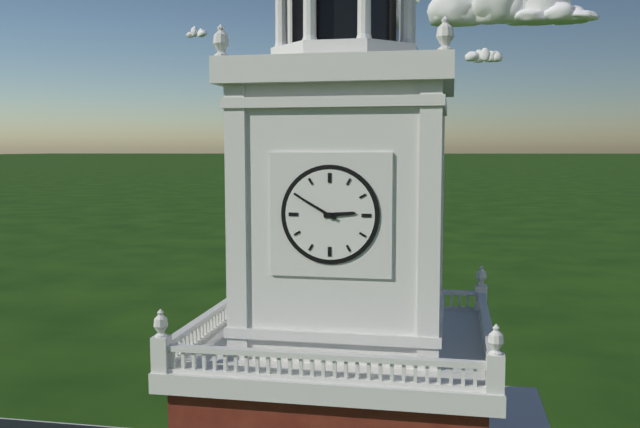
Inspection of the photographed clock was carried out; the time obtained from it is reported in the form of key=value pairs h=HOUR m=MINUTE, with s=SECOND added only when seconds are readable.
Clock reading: h=2 m=50
